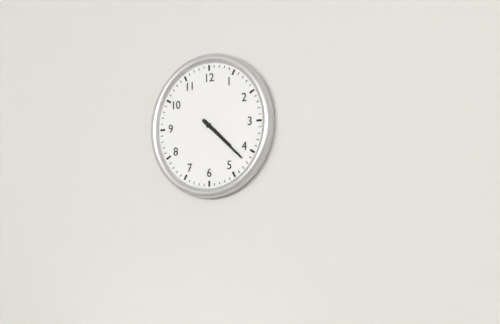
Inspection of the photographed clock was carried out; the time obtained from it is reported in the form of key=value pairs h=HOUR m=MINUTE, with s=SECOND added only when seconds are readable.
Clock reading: h=4 m=22
